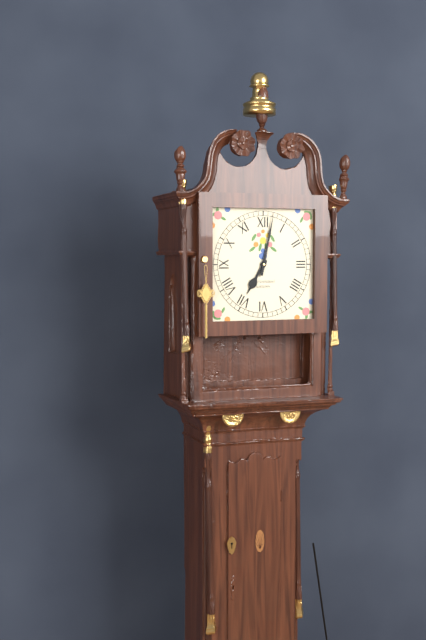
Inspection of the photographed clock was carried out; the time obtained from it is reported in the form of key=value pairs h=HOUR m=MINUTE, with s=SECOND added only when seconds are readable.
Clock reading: h=7 m=2
